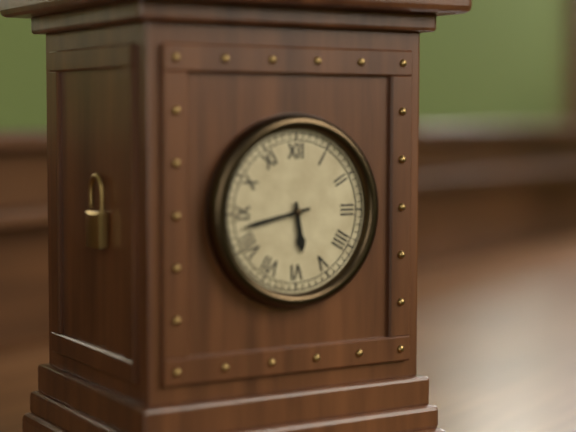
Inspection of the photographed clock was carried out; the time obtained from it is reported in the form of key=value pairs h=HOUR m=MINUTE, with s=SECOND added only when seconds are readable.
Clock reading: h=5 m=43
